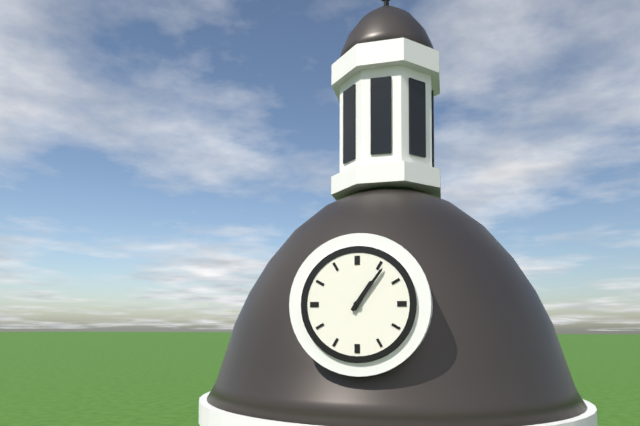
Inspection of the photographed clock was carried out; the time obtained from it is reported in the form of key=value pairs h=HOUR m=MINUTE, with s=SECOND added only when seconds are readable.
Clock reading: h=1 m=6
